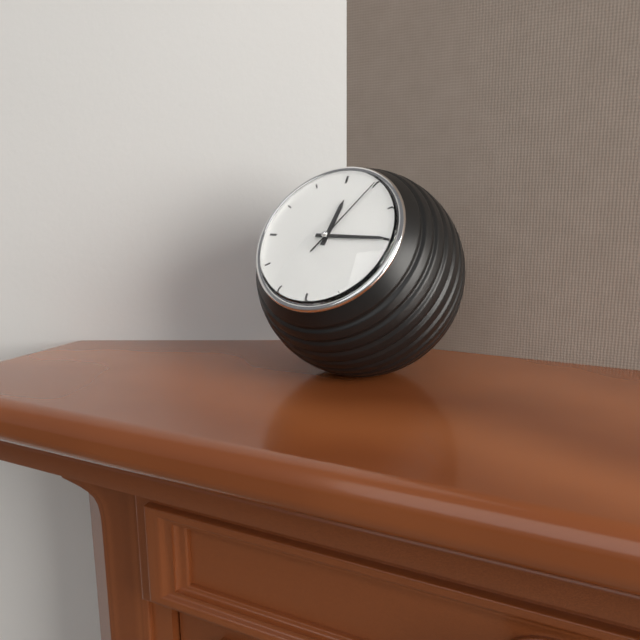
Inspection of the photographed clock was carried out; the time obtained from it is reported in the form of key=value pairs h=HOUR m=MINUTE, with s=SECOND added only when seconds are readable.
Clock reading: h=12 m=15 s=5
